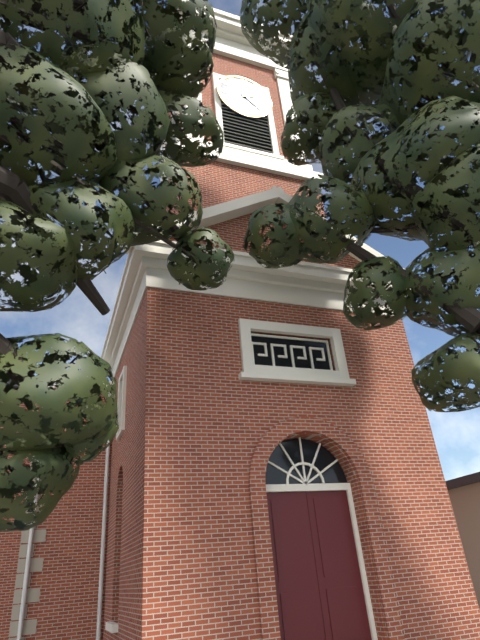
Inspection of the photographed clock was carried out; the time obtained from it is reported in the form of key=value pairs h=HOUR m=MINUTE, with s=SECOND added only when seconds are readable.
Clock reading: h=2 m=22
